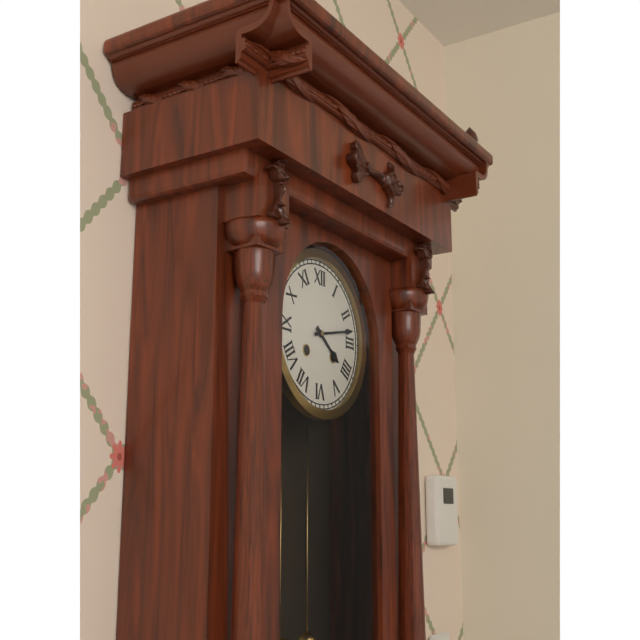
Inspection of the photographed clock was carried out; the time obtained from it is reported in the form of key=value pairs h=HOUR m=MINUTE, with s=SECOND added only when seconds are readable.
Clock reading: h=4 m=13
